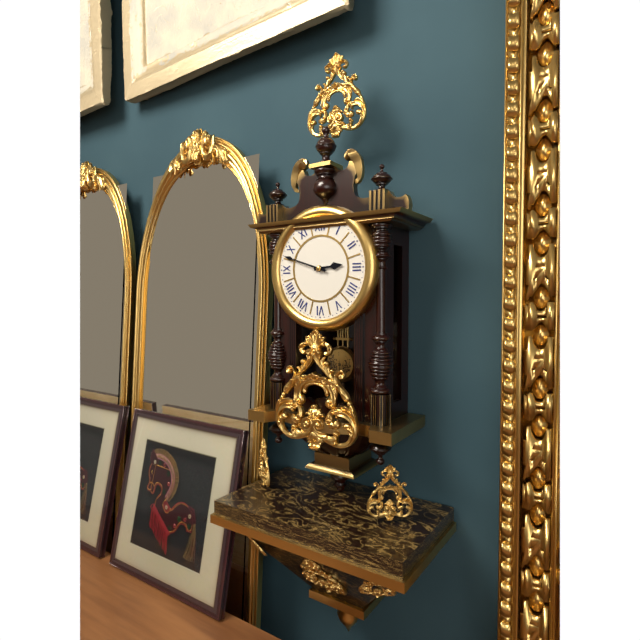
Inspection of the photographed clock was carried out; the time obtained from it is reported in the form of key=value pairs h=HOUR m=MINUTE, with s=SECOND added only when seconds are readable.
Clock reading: h=2 m=48
